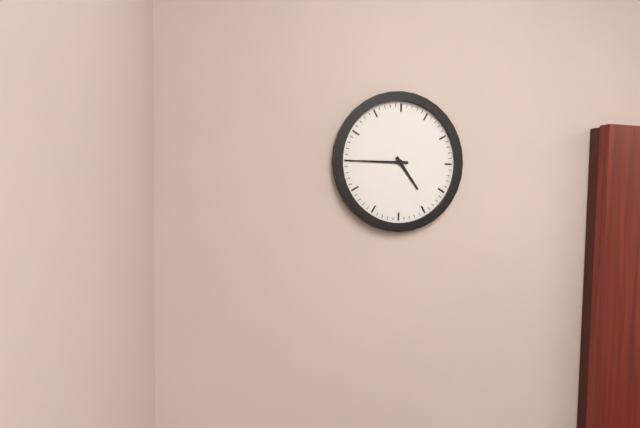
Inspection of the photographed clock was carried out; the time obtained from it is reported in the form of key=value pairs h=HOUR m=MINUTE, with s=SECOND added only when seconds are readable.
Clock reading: h=4 m=45
